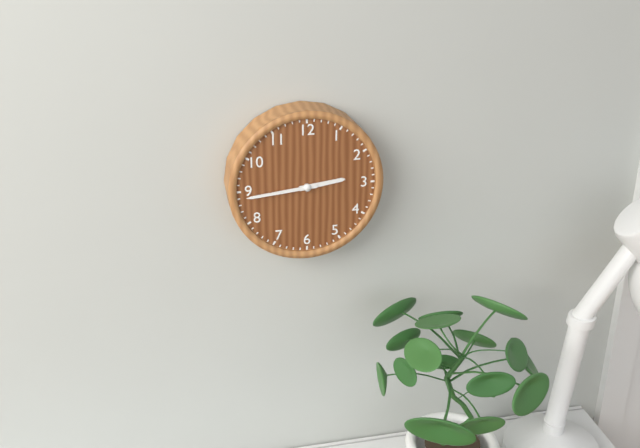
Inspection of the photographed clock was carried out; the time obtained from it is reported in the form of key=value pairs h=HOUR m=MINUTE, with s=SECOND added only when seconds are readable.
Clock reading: h=2 m=44
